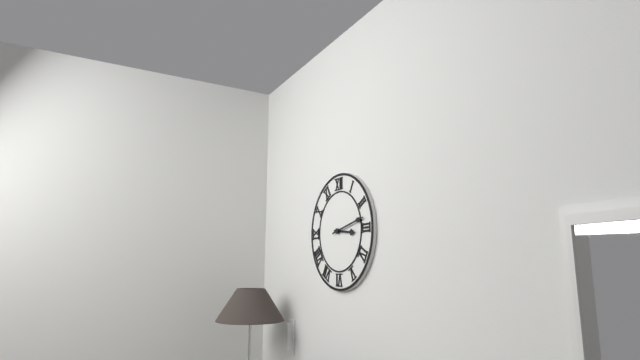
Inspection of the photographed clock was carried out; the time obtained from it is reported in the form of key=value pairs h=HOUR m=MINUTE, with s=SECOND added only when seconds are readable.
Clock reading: h=3 m=13
